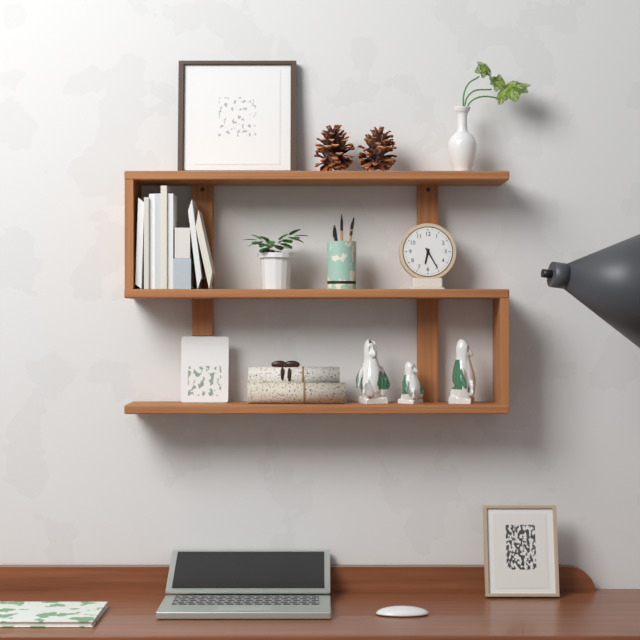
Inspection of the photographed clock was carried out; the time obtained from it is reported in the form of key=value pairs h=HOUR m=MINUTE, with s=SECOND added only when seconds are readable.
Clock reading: h=6 m=25
